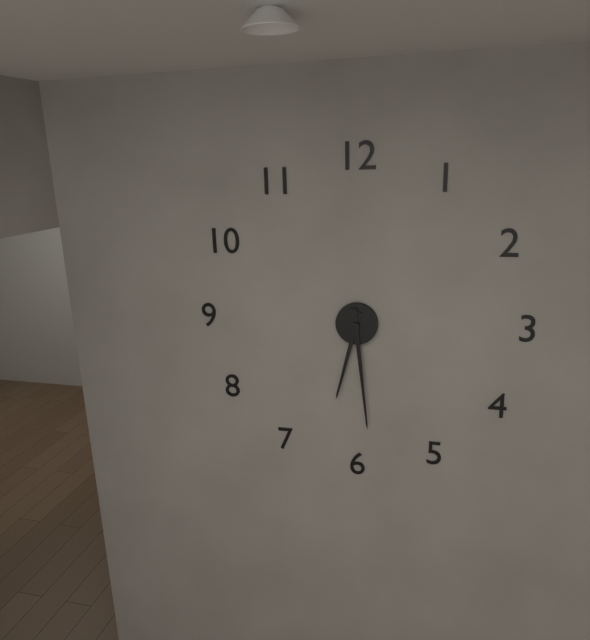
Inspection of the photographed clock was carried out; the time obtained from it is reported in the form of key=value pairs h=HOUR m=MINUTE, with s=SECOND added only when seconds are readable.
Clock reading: h=6 m=29
